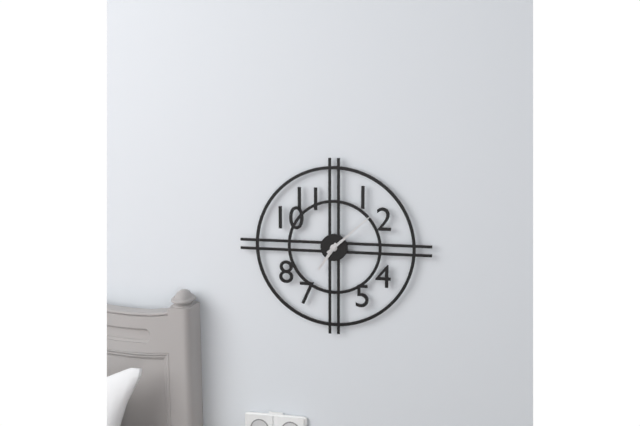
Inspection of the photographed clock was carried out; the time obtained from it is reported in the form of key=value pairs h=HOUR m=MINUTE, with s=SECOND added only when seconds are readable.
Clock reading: h=7 m=8
